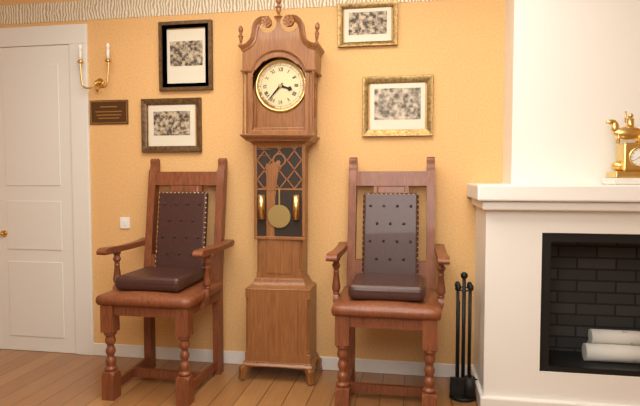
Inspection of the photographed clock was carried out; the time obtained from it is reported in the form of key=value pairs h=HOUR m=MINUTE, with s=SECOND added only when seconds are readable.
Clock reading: h=3 m=37
